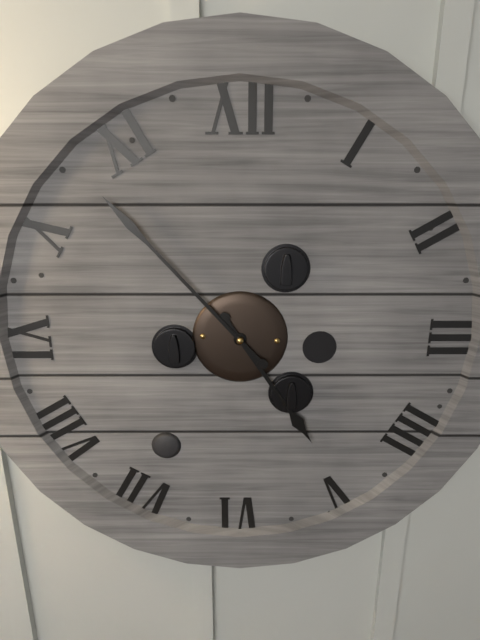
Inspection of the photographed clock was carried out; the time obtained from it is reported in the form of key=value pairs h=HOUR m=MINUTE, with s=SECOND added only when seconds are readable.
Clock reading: h=4 m=53
